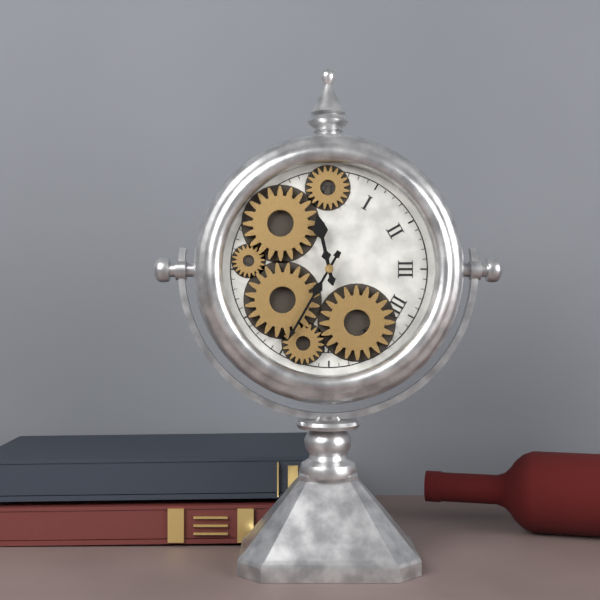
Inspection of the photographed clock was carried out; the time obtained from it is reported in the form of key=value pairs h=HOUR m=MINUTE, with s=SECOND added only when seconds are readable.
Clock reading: h=11 m=35
